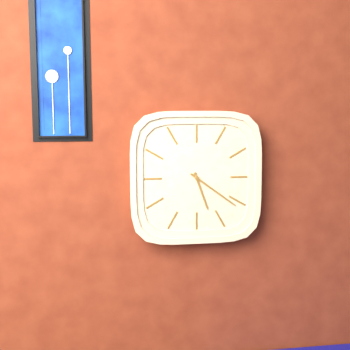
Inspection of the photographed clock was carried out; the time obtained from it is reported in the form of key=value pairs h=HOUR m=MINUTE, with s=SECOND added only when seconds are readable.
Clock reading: h=5 m=21
